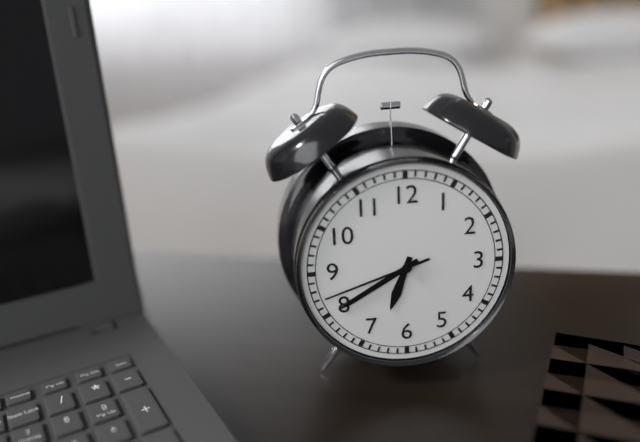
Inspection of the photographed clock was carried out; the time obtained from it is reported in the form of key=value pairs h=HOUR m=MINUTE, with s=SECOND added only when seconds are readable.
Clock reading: h=6 m=40 s=42
